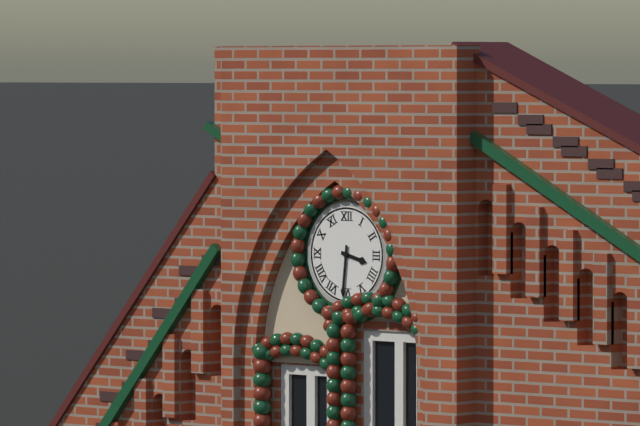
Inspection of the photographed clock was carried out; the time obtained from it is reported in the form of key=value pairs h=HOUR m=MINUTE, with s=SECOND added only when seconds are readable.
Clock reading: h=3 m=31
